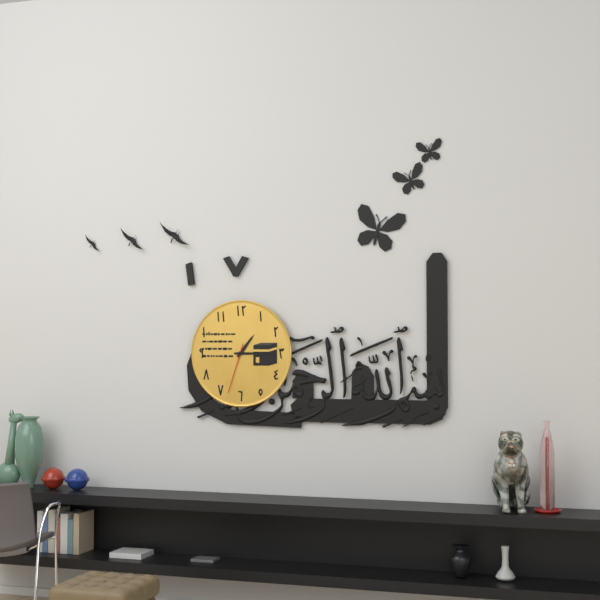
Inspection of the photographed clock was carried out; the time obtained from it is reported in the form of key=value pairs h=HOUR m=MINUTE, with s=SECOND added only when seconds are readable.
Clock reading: h=1 m=15 s=33
